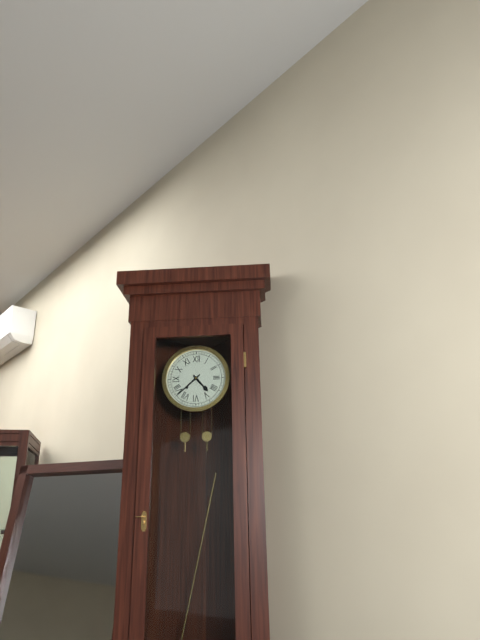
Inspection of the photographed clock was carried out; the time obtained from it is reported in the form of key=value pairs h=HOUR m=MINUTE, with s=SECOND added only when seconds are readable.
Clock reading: h=4 m=38
